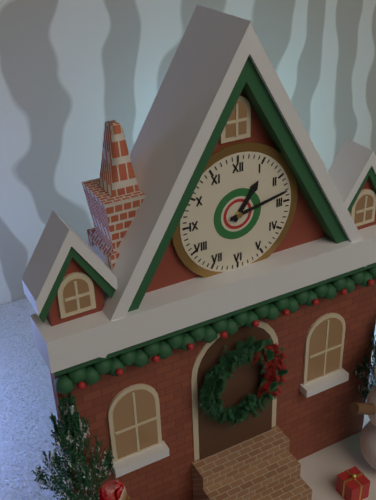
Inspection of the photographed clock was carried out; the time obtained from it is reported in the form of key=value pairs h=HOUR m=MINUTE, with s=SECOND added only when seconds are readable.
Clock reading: h=1 m=13
